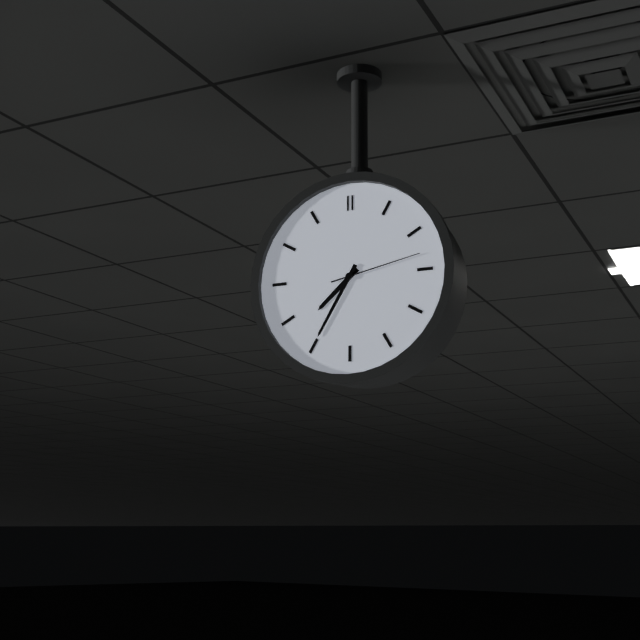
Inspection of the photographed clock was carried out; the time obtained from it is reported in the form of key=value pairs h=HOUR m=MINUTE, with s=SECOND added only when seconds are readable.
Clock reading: h=7 m=35 s=13
